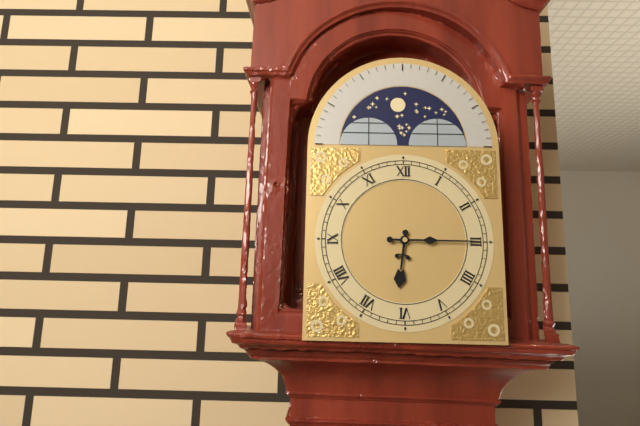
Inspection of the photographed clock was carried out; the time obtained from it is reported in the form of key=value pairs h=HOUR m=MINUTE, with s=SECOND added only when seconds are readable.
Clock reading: h=6 m=15
